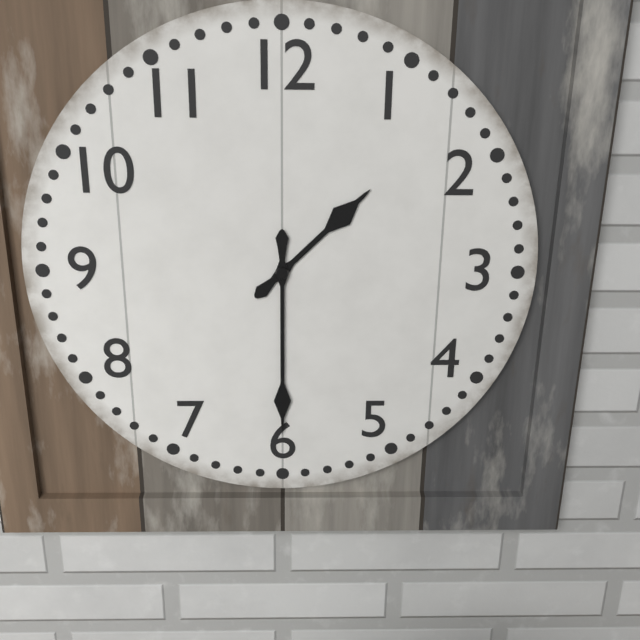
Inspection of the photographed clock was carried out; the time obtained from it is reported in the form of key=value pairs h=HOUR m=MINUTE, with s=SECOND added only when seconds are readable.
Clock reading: h=1 m=30
